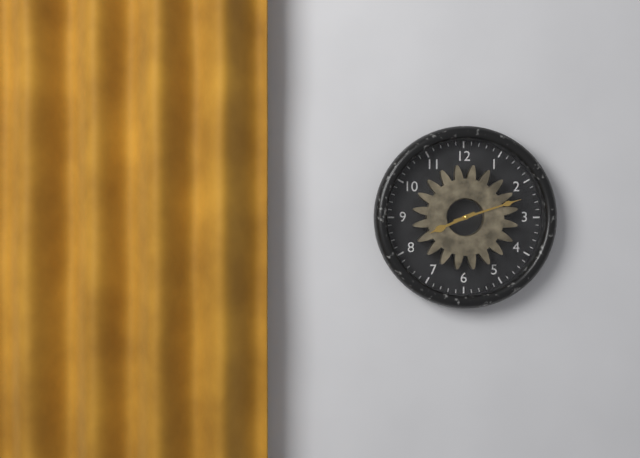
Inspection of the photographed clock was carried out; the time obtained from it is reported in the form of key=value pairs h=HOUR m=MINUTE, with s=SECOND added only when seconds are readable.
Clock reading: h=8 m=12
